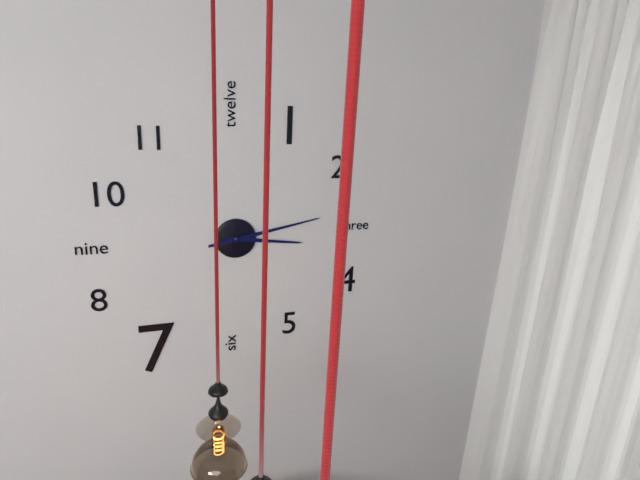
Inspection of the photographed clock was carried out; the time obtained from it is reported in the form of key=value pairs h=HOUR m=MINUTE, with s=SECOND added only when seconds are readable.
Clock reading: h=3 m=13
